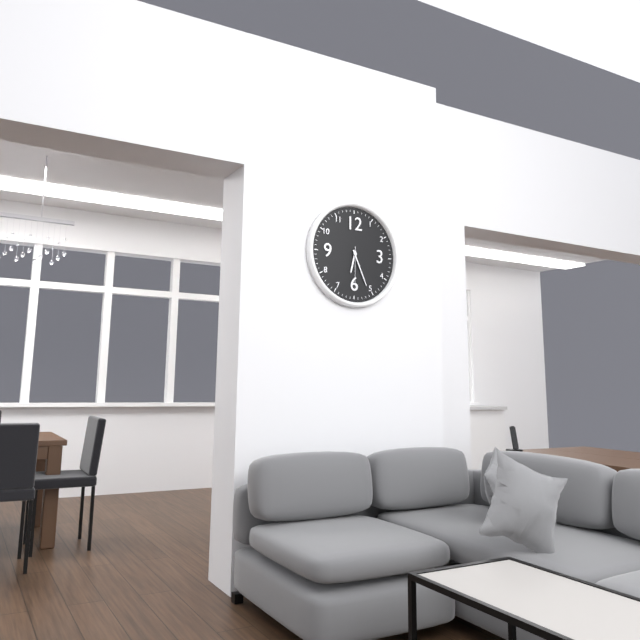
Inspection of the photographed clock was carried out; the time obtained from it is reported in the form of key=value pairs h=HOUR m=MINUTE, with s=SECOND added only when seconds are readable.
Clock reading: h=6 m=26
